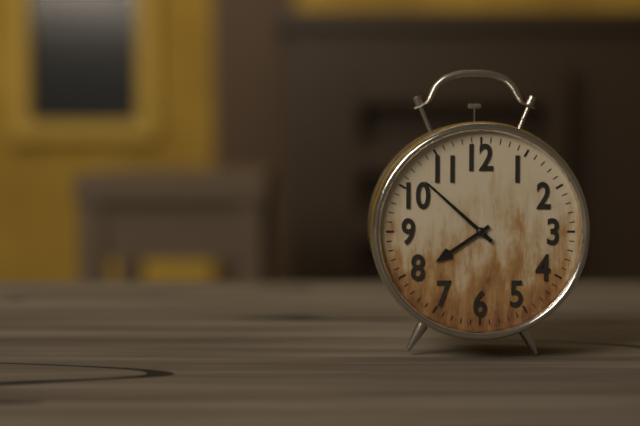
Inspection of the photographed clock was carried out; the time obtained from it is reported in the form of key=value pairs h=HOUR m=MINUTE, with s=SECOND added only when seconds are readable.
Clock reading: h=7 m=52
